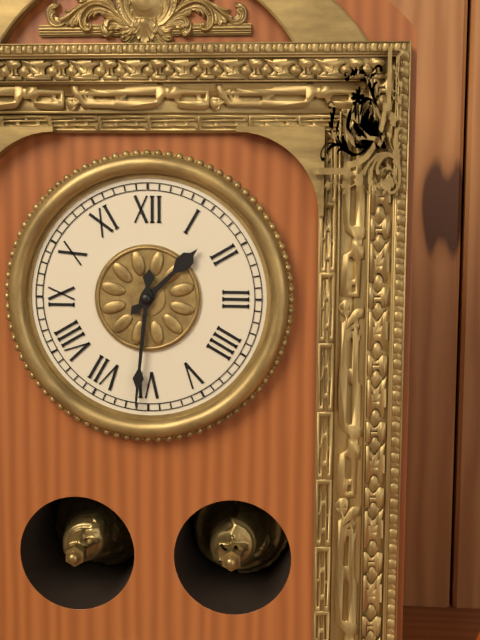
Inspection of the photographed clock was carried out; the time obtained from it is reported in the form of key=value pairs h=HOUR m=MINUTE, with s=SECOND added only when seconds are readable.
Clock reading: h=1 m=31
